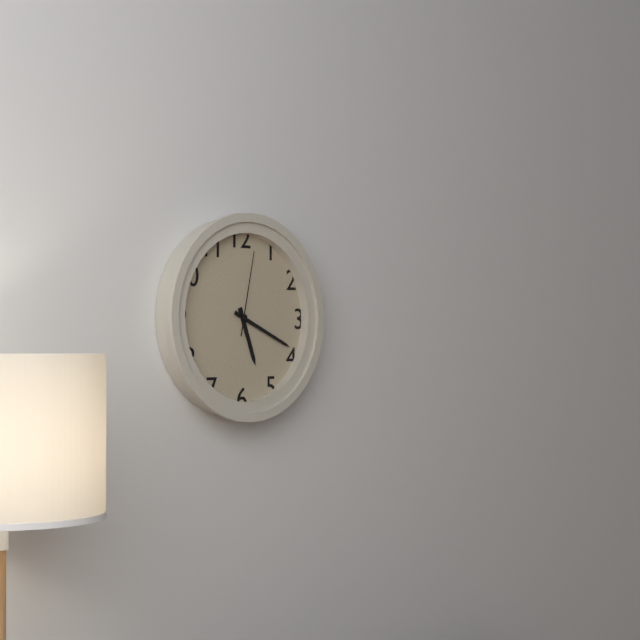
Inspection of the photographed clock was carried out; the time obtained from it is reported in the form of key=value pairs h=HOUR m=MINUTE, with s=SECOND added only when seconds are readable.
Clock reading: h=5 m=19 s=2
